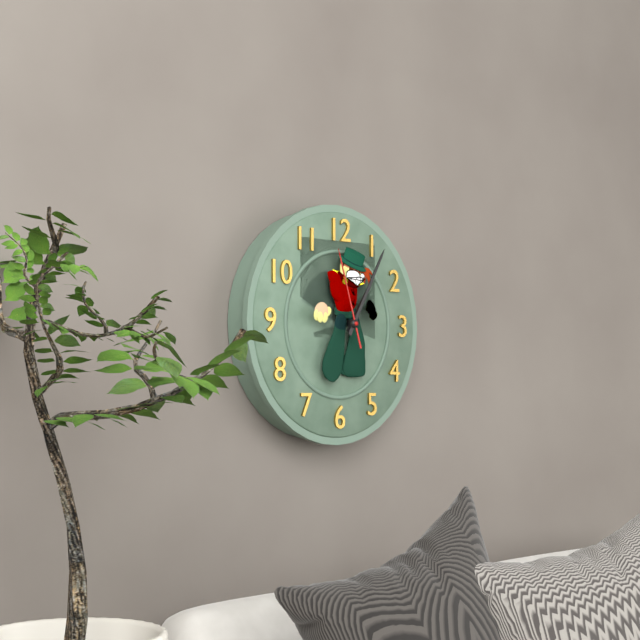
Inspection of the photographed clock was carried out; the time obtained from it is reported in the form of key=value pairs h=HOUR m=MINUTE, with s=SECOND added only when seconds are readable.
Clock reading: h=1 m=5 s=57
